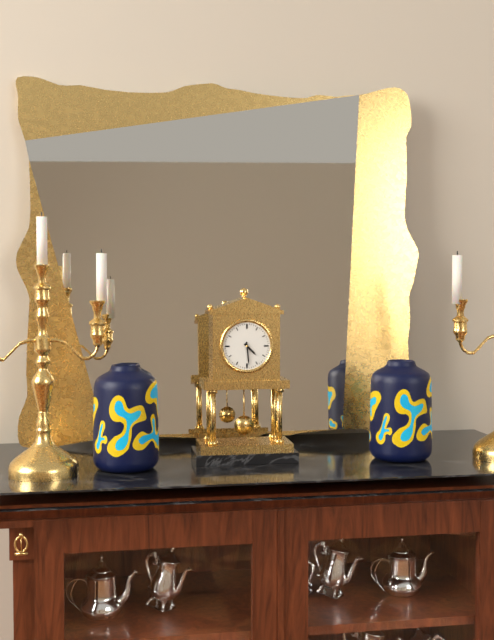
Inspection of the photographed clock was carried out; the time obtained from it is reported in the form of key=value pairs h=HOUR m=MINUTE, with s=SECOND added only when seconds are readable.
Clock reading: h=4 m=29
